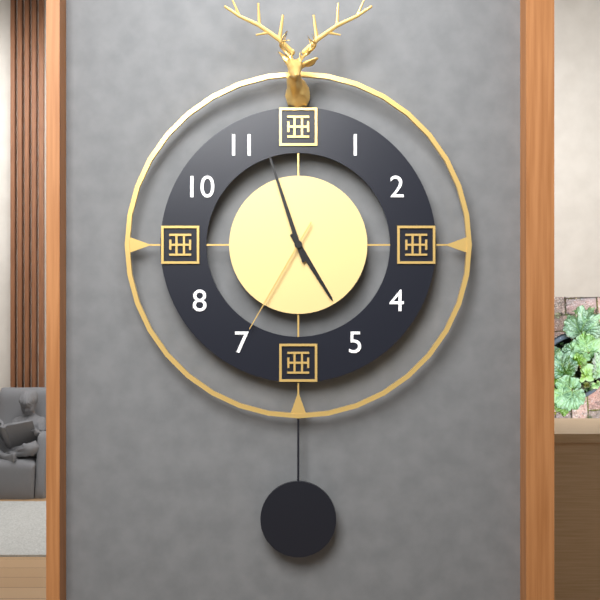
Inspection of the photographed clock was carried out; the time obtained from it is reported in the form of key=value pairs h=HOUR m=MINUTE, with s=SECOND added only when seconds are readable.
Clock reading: h=4 m=57 s=35
